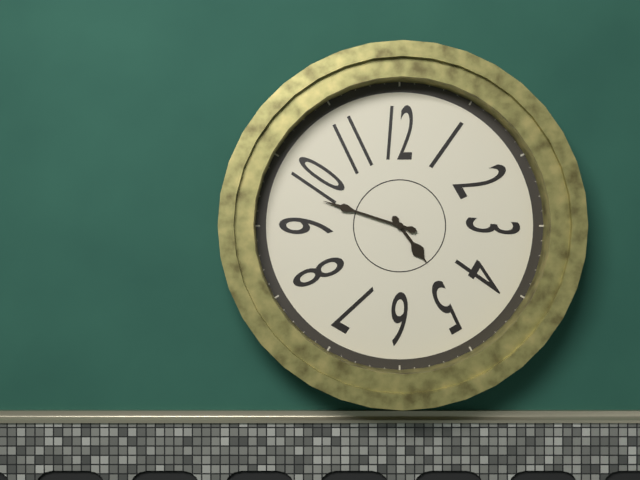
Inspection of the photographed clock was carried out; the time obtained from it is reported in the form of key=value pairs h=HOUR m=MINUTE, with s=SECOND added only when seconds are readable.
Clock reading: h=4 m=48
